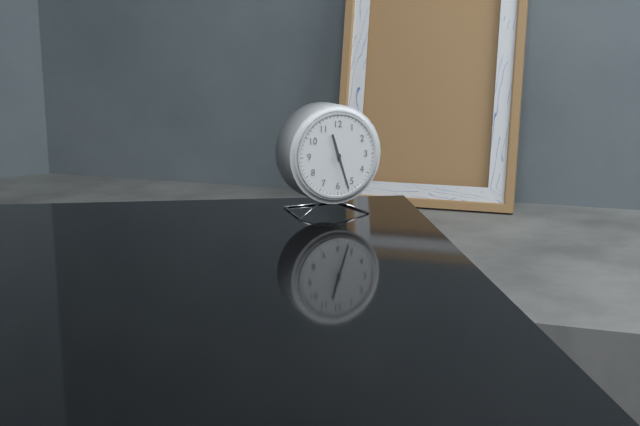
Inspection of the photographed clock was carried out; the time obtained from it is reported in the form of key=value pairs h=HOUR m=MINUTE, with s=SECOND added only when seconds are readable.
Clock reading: h=11 m=27
